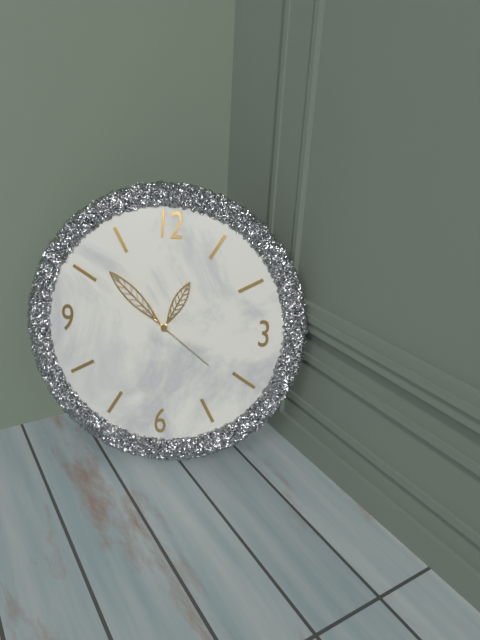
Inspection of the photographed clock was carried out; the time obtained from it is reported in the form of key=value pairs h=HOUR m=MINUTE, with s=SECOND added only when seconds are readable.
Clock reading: h=12 m=52 s=21
